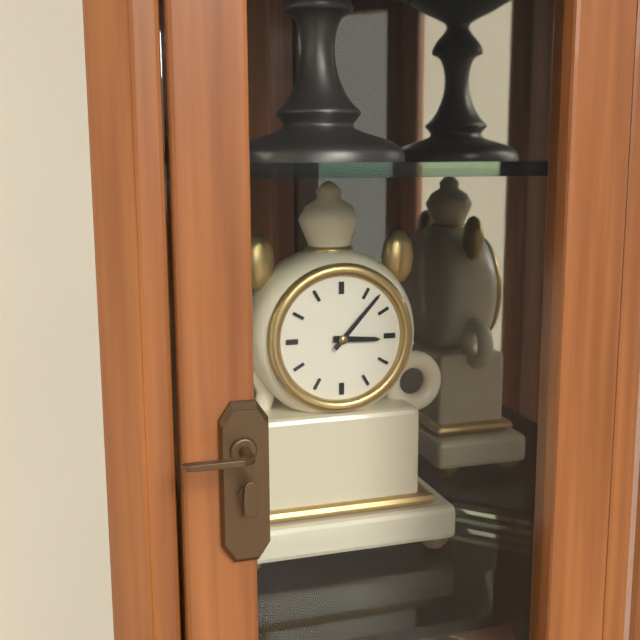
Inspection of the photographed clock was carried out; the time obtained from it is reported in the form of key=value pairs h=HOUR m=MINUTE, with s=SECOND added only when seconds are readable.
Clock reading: h=3 m=7
